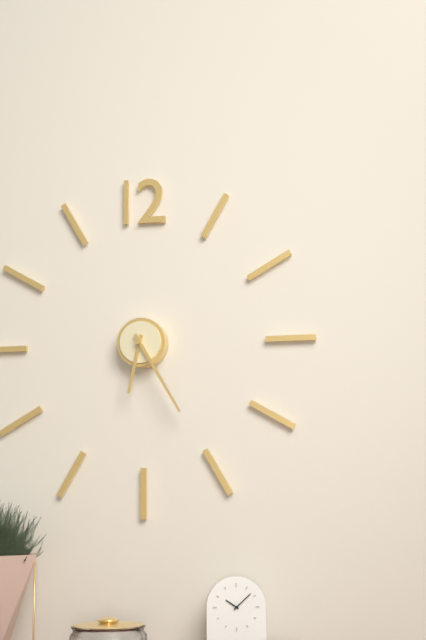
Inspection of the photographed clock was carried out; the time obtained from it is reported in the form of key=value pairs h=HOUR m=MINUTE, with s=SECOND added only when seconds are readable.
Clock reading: h=6 m=25
